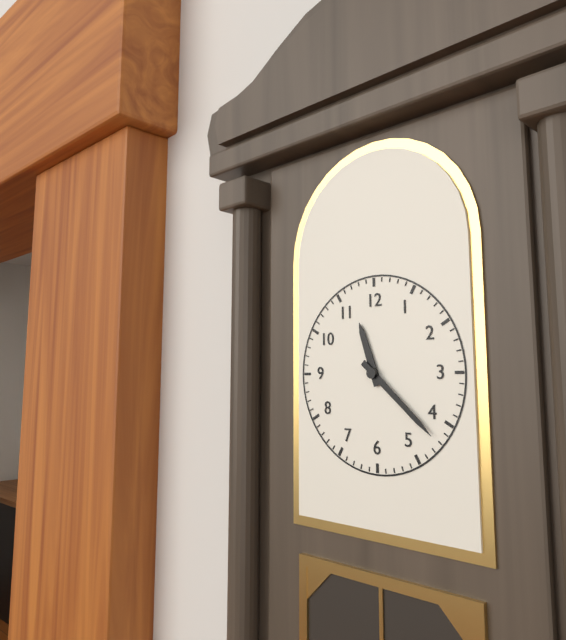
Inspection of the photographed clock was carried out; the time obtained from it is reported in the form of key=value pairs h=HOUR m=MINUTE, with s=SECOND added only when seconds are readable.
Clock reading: h=11 m=22
